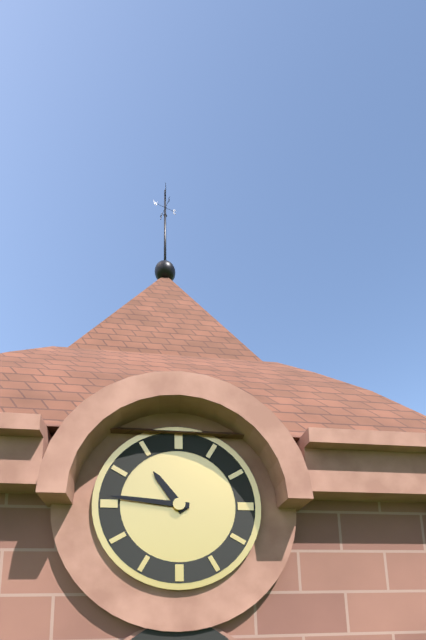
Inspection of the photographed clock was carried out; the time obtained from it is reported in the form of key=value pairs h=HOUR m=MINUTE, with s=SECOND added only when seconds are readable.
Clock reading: h=10 m=46
